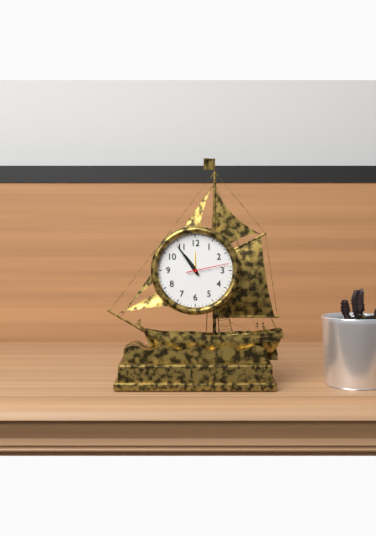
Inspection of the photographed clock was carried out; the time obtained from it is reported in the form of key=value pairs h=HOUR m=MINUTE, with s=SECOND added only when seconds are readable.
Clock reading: h=10 m=54
